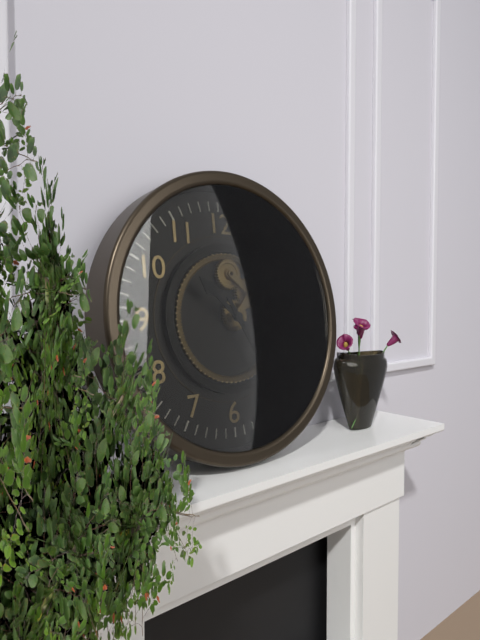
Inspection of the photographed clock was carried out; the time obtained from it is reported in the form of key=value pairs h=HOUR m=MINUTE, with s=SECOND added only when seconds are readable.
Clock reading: h=10 m=25
